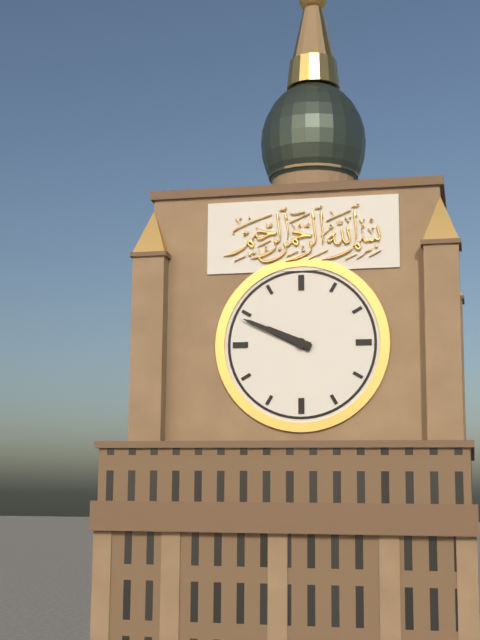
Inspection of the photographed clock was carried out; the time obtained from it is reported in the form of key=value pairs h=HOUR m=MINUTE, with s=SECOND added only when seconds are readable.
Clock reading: h=9 m=49
